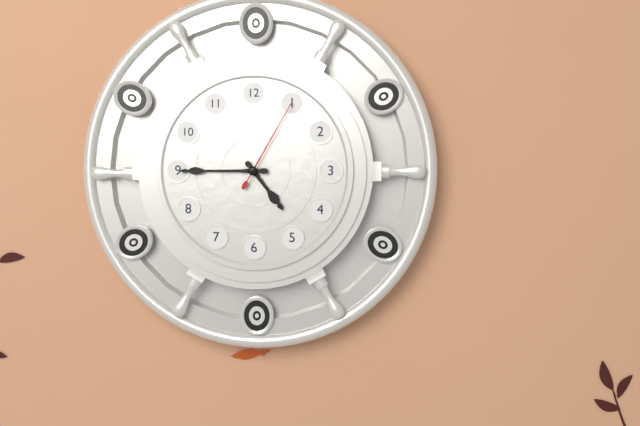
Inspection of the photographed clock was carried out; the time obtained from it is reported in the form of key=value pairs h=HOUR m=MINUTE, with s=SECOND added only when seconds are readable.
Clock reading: h=4 m=45 s=5
